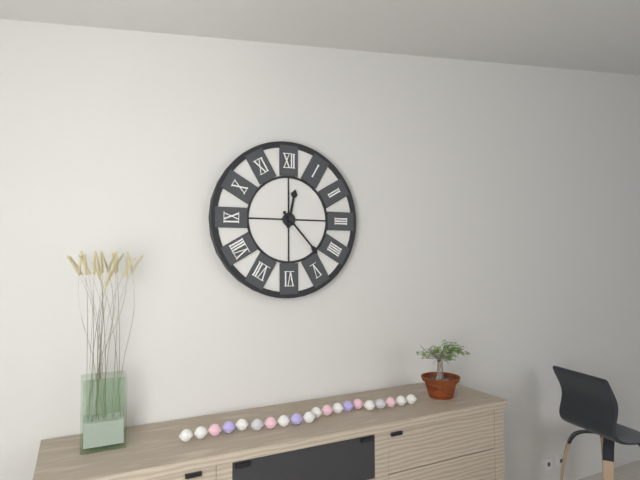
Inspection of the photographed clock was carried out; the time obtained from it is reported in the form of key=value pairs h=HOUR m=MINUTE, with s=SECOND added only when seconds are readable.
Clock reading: h=12 m=23
